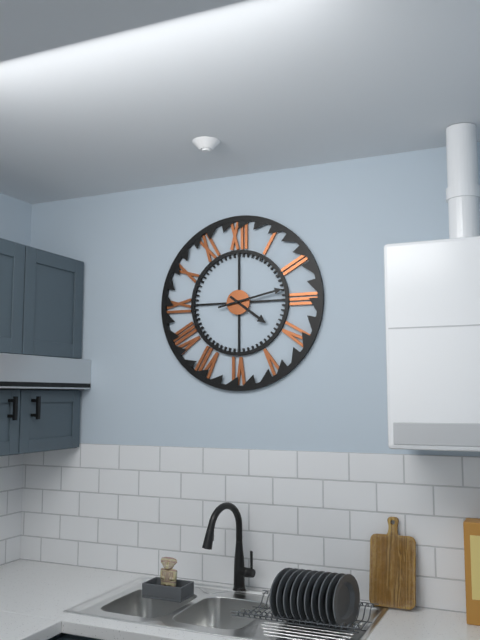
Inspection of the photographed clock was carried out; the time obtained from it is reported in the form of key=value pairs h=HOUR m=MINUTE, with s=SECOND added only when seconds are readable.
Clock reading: h=4 m=13
